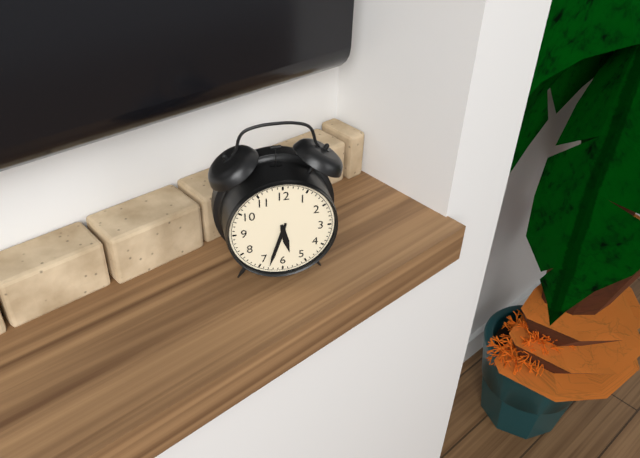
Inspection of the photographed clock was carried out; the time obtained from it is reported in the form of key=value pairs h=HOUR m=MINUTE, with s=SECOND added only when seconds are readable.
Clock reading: h=5 m=33
